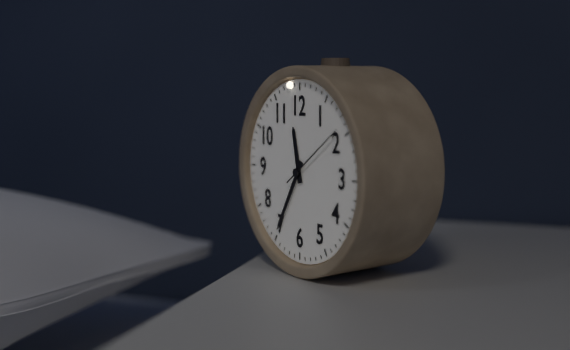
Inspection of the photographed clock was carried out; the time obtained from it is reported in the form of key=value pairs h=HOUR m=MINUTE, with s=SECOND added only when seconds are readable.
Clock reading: h=11 m=35 s=9
